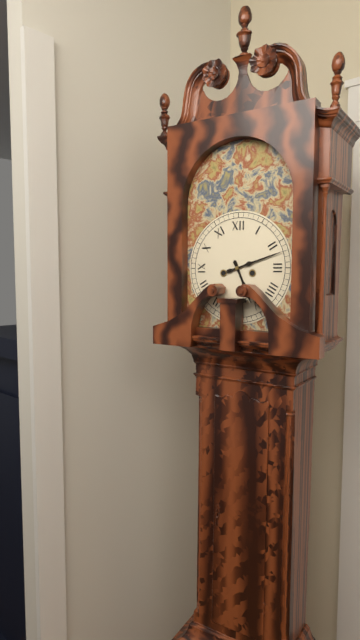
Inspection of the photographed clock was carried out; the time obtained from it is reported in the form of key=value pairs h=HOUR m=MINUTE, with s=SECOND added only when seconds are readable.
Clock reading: h=5 m=12
